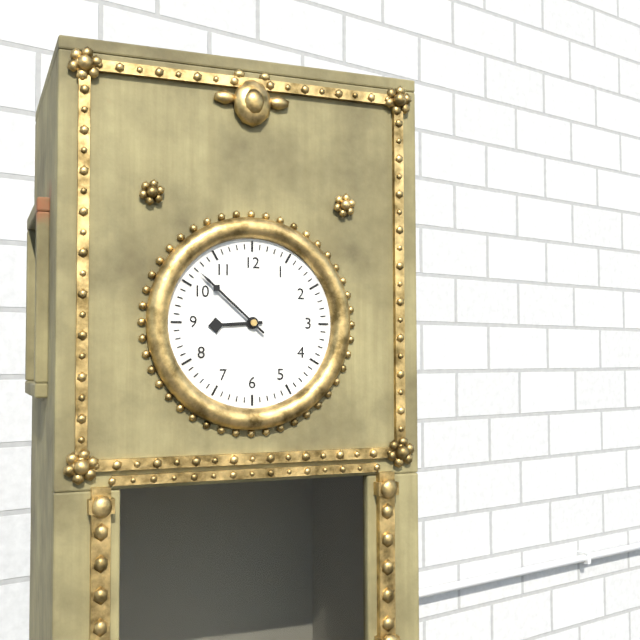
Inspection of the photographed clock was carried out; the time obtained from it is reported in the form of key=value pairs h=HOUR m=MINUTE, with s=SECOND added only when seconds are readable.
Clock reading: h=8 m=52
